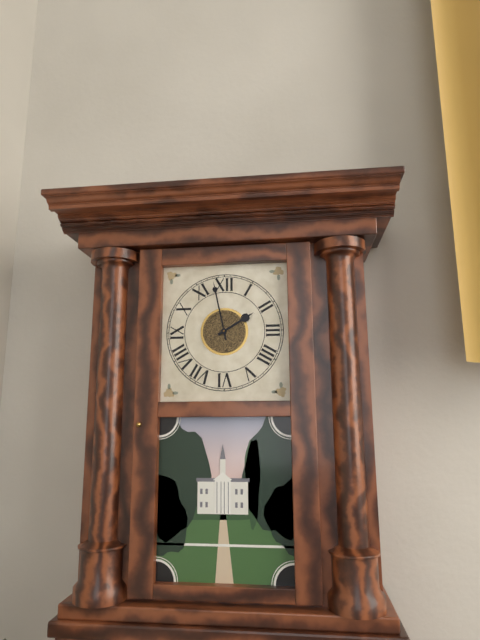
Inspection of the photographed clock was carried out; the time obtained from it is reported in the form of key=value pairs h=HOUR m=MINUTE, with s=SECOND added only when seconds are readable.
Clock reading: h=1 m=58
